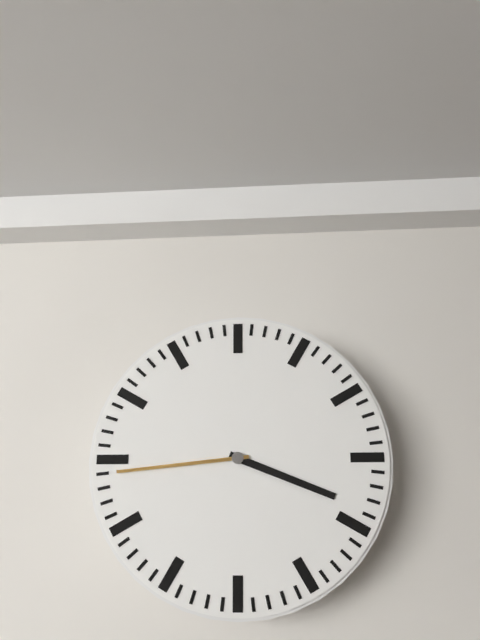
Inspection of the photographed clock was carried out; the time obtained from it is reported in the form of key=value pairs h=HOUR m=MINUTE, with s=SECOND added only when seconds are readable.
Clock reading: h=3 m=44
